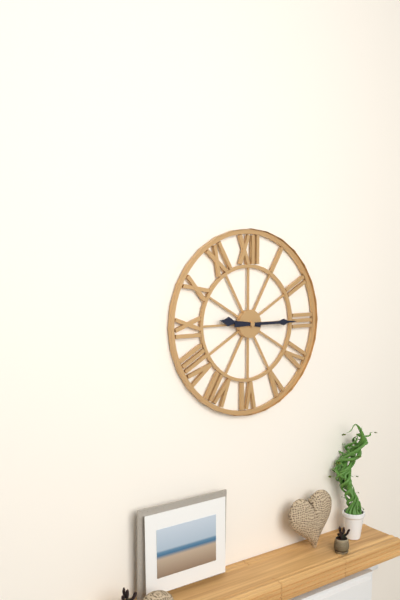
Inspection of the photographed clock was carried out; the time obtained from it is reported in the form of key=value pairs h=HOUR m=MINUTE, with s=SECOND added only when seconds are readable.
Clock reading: h=9 m=15
